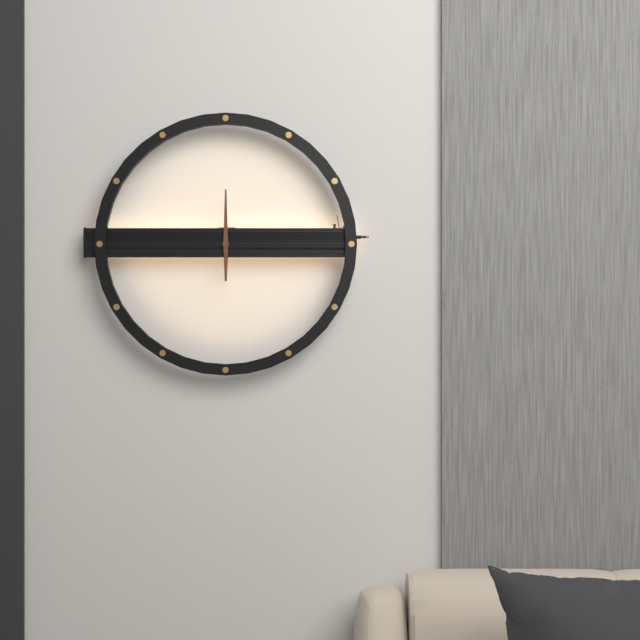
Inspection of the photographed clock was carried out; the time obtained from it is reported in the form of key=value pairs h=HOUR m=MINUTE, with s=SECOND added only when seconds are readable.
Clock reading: h=6 m=0
